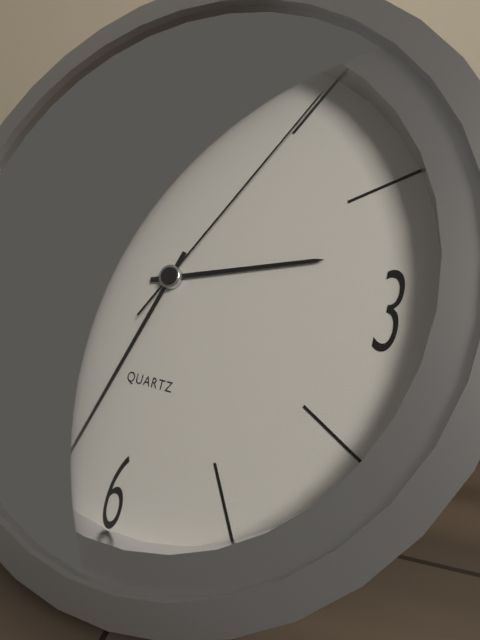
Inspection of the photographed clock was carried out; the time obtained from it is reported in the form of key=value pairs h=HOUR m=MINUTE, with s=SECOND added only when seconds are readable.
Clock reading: h=2 m=33 s=5
